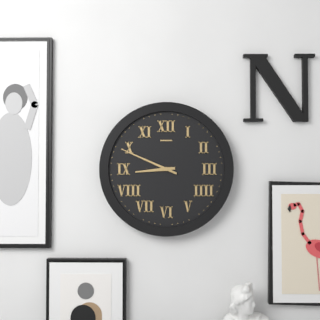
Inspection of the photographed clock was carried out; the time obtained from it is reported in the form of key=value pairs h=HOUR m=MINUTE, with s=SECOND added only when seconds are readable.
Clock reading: h=8 m=49
